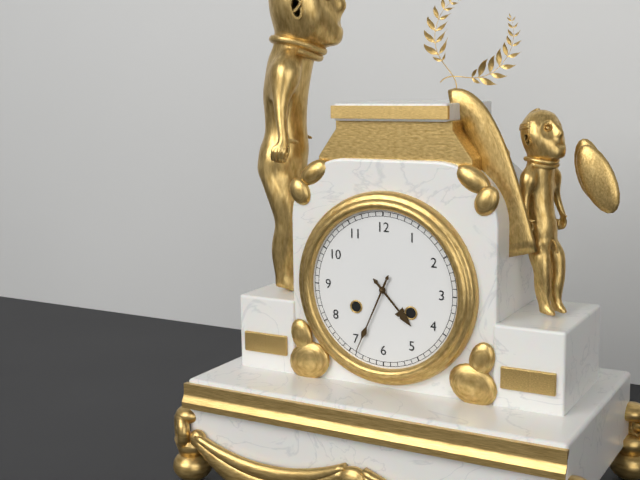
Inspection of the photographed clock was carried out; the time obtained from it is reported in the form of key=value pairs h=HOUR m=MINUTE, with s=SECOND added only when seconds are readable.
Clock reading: h=4 m=34
